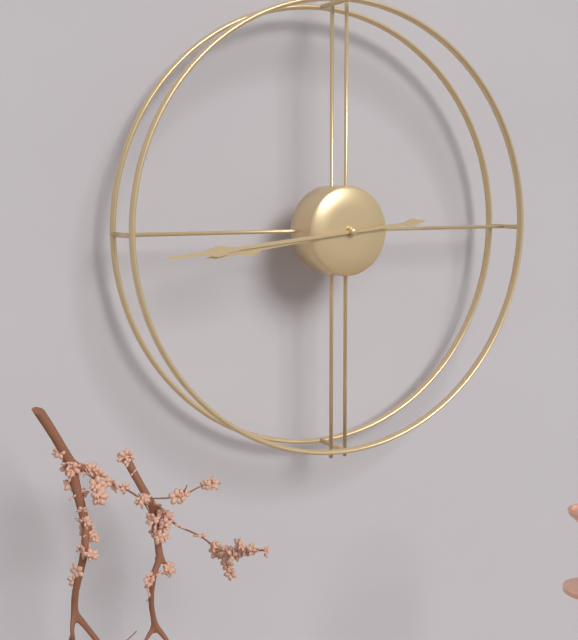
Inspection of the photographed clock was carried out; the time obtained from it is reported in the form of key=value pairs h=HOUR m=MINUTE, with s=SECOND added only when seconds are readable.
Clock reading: h=8 m=44
